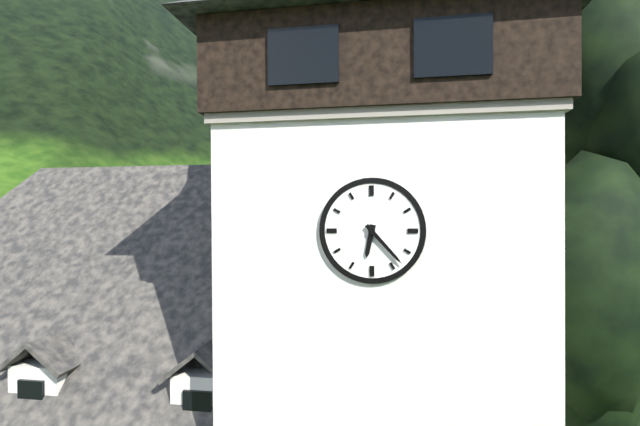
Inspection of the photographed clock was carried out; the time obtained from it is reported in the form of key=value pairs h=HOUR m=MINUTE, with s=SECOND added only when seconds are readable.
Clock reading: h=6 m=23
